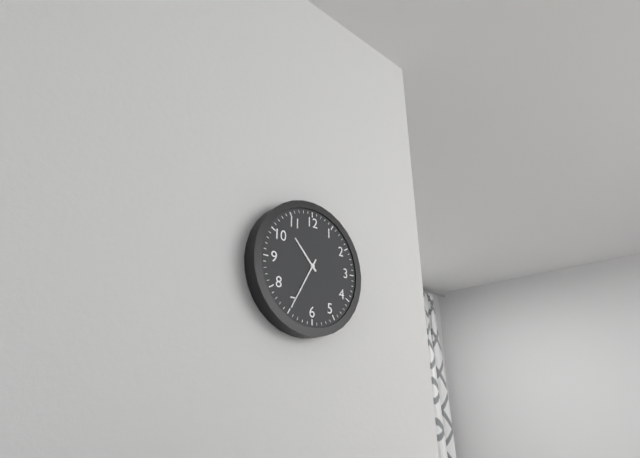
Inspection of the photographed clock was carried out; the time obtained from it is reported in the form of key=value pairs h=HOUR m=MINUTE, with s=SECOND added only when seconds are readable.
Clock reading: h=10 m=35
